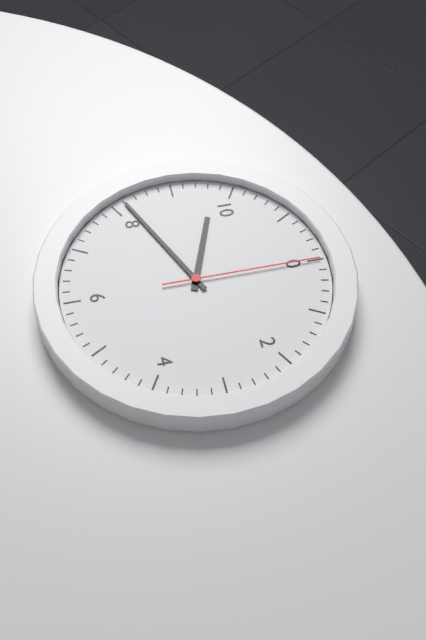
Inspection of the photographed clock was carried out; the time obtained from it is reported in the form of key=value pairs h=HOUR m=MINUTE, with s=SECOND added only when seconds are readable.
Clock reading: h=9 m=41 s=0
